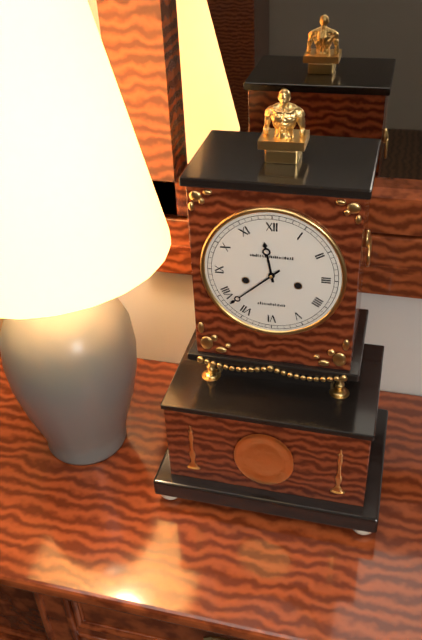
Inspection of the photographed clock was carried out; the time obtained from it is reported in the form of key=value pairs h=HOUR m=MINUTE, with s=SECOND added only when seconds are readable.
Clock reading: h=11 m=38
